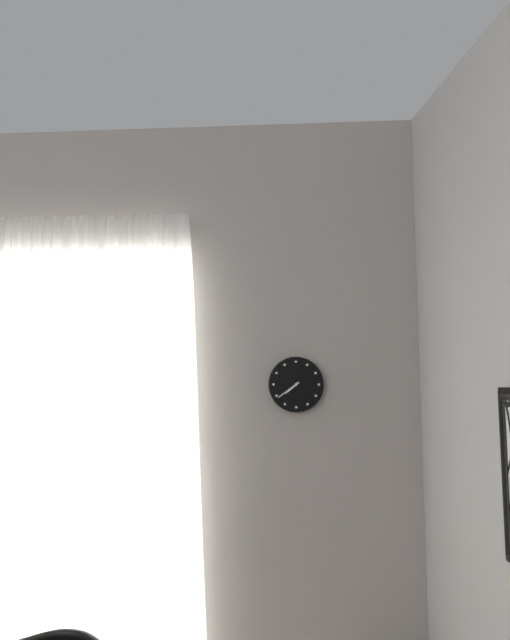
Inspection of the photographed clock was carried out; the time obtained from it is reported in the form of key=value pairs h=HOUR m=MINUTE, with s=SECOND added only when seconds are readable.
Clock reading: h=7 m=39
